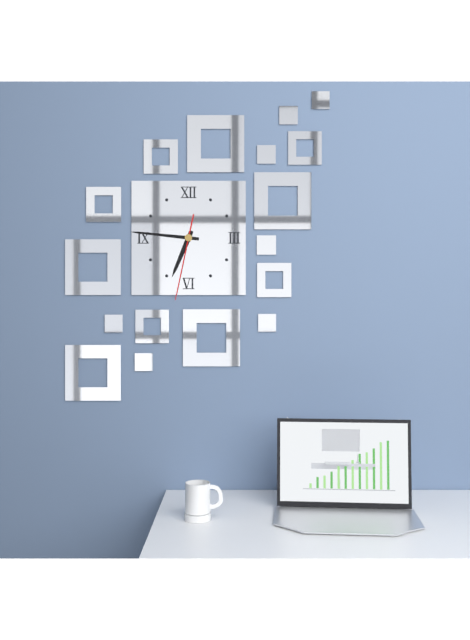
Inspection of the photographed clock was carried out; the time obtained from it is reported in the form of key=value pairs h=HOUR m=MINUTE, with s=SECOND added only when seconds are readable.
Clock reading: h=6 m=46 s=32
